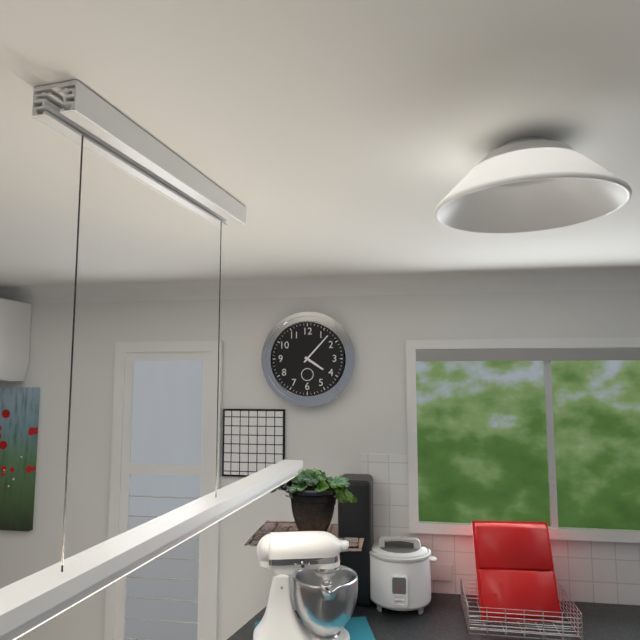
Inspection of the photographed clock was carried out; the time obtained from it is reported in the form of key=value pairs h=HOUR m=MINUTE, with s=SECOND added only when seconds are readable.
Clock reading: h=4 m=7
